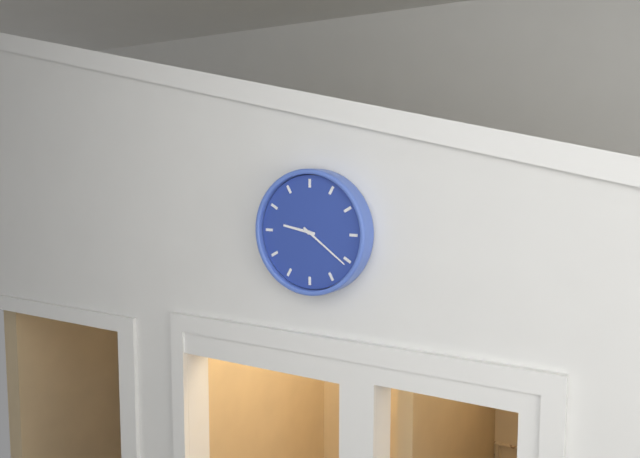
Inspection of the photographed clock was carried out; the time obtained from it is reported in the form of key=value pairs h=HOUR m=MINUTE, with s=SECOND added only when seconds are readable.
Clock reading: h=9 m=21
